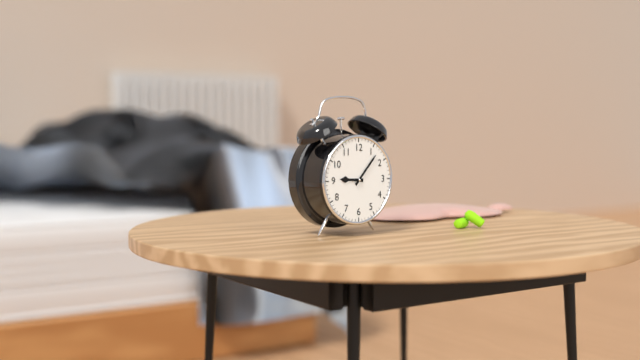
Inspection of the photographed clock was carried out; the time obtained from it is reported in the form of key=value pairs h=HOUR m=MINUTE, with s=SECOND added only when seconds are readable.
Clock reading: h=9 m=7
